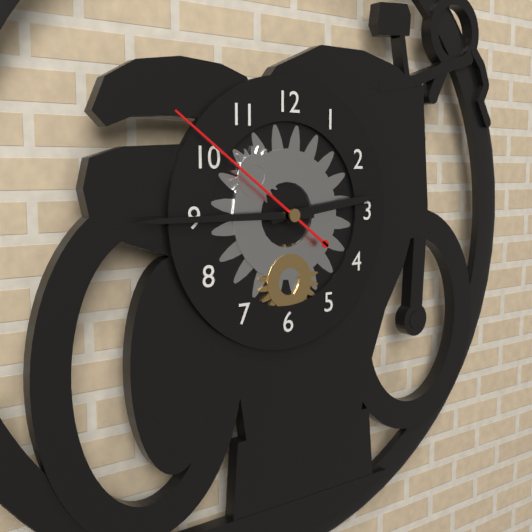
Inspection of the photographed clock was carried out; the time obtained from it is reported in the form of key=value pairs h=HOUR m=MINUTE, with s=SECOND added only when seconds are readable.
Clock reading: h=2 m=45 s=51
